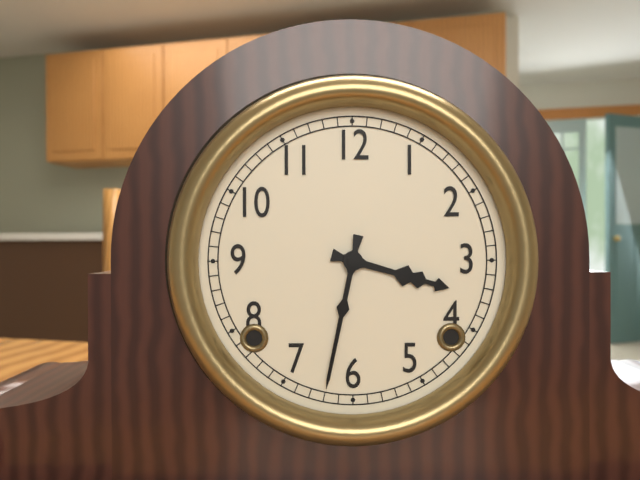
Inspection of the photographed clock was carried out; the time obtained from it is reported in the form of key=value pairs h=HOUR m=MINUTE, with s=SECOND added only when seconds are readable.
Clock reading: h=3 m=32
